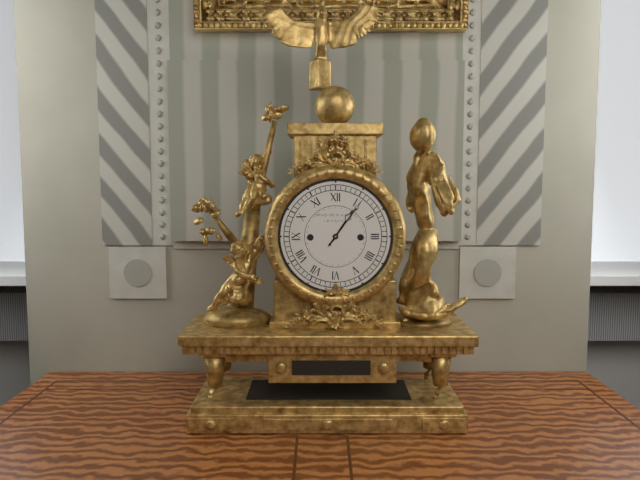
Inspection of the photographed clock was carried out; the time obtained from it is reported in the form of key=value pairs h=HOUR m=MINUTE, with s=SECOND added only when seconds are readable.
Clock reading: h=1 m=6
